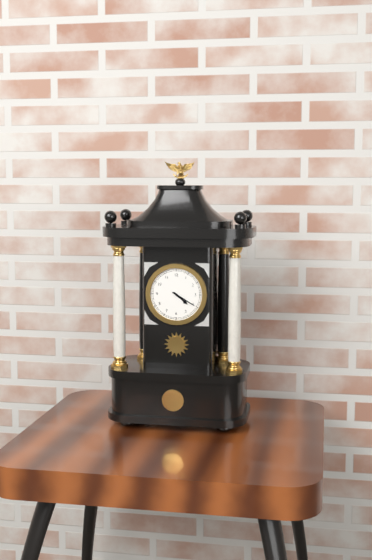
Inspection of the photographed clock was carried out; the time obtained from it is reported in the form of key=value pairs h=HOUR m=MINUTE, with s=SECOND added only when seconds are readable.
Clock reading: h=4 m=20
